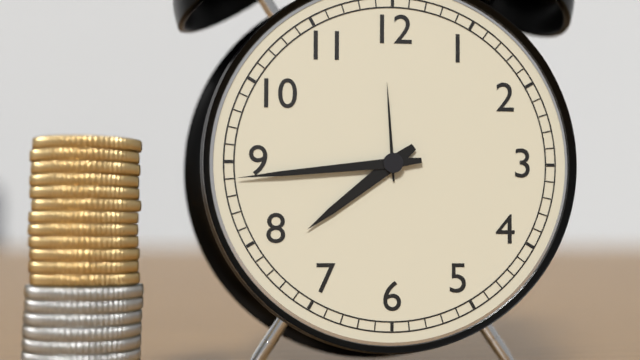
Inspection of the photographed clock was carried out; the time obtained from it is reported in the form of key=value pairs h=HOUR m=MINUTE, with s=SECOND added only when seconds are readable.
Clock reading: h=7 m=44
